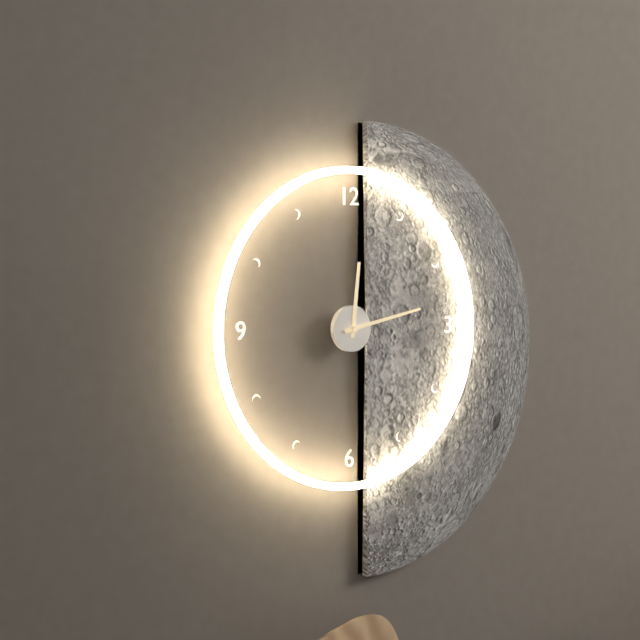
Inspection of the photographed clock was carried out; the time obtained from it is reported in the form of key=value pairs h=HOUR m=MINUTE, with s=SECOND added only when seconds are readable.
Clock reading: h=12 m=13
